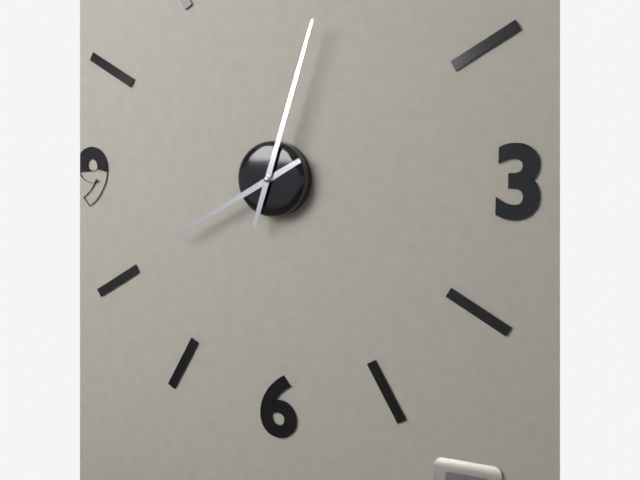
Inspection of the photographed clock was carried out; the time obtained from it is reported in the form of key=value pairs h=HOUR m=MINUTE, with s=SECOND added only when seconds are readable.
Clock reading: h=8 m=3
